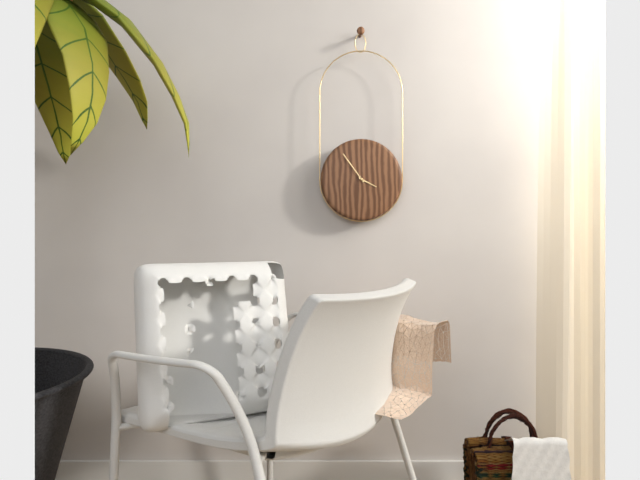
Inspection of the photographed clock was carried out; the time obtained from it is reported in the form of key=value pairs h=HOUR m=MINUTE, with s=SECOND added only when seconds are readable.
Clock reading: h=3 m=54
